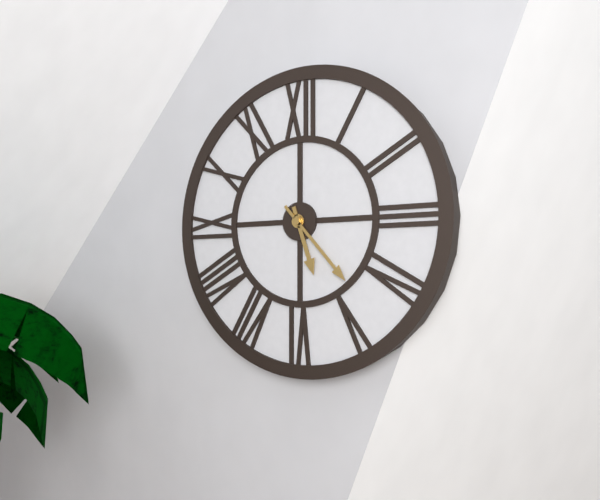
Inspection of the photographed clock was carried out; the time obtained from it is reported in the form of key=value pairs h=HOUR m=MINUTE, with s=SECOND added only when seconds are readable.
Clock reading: h=5 m=23
